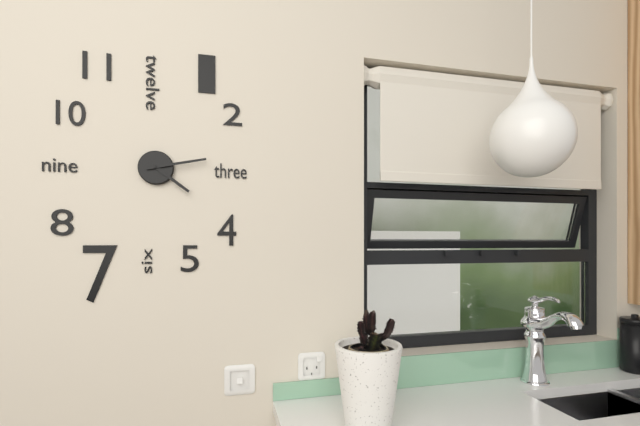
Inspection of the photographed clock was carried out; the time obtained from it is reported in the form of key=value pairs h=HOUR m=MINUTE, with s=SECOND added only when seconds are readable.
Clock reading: h=4 m=13
